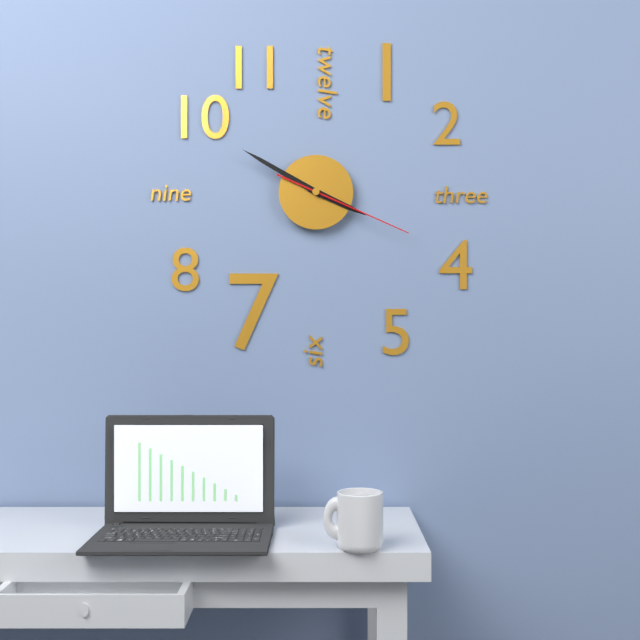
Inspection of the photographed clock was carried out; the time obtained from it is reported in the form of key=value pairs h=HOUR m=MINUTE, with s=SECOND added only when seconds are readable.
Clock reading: h=3 m=50 s=19
